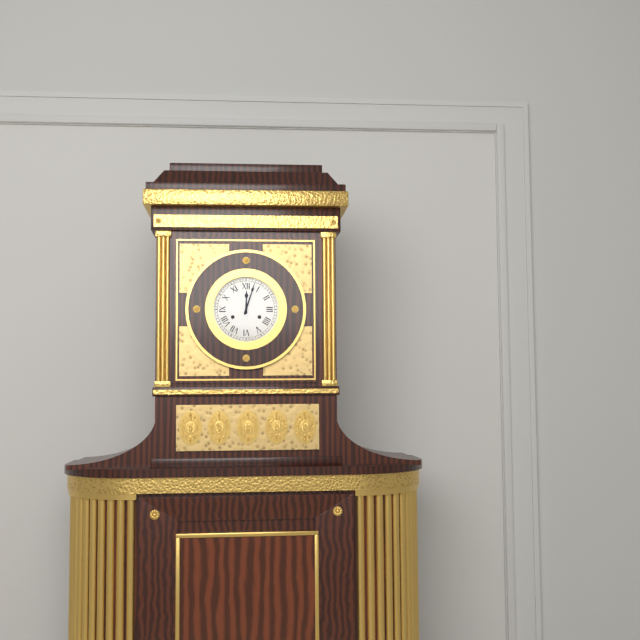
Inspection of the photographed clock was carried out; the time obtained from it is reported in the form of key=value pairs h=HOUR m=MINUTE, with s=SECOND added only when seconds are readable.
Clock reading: h=12 m=3
